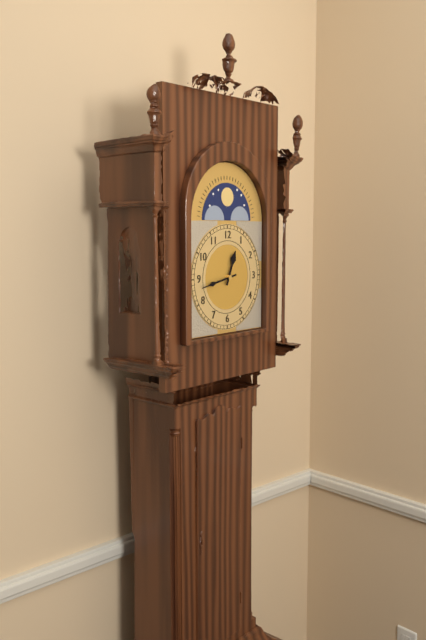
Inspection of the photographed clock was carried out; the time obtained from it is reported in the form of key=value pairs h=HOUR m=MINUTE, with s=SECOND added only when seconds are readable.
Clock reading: h=12 m=43
